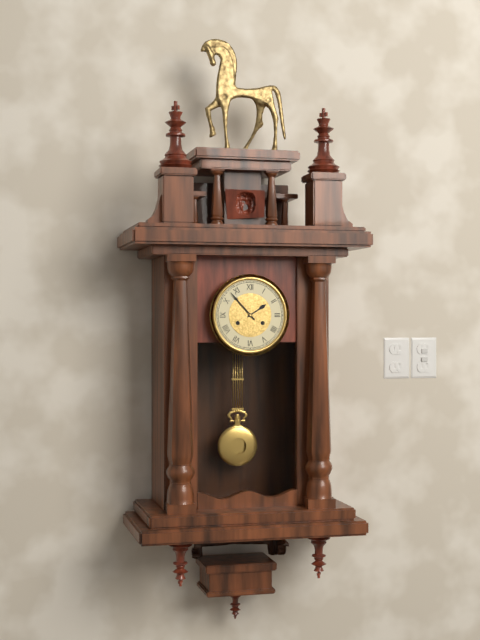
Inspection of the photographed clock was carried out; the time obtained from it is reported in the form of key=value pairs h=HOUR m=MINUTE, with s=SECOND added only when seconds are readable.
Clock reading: h=1 m=53
